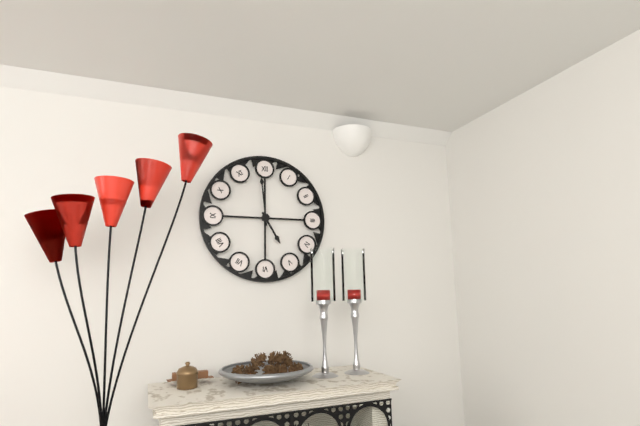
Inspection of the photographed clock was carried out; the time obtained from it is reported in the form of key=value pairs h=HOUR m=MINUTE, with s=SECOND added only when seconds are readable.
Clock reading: h=4 m=59
